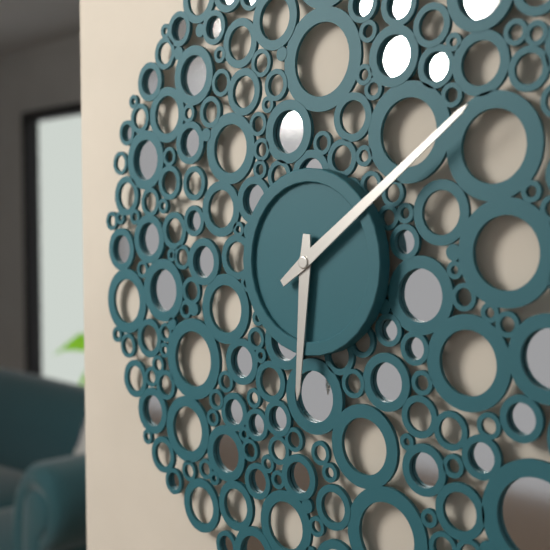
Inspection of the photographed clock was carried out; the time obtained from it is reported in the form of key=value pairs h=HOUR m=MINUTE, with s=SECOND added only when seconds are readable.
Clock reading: h=6 m=9
